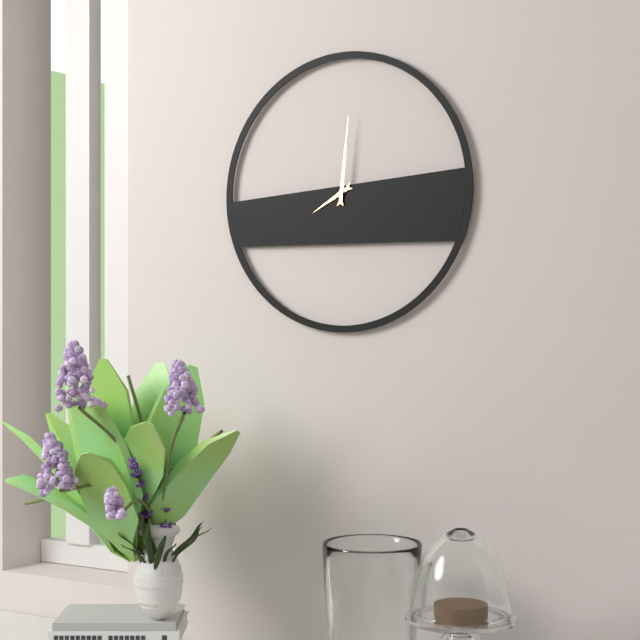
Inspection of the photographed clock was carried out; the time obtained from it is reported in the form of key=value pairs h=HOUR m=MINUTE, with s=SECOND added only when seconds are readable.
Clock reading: h=8 m=1
